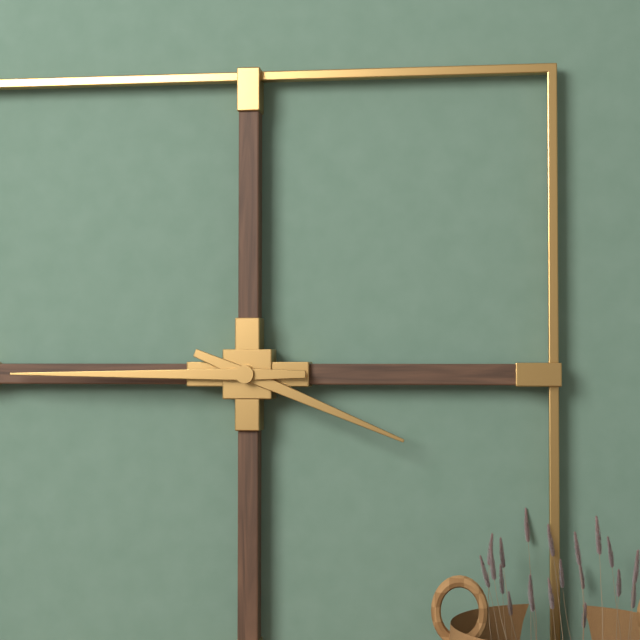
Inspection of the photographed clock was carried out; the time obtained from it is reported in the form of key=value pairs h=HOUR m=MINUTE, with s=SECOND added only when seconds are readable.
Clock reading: h=3 m=45
